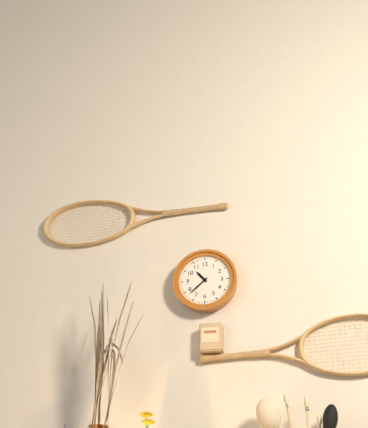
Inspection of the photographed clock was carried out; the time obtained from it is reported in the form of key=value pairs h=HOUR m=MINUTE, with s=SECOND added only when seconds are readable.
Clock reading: h=10 m=38
